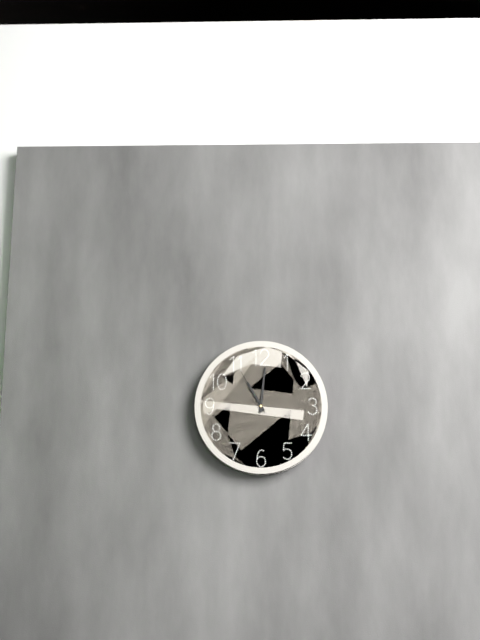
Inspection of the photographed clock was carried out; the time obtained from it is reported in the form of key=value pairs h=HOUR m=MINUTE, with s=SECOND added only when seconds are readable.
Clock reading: h=11 m=1 s=55
